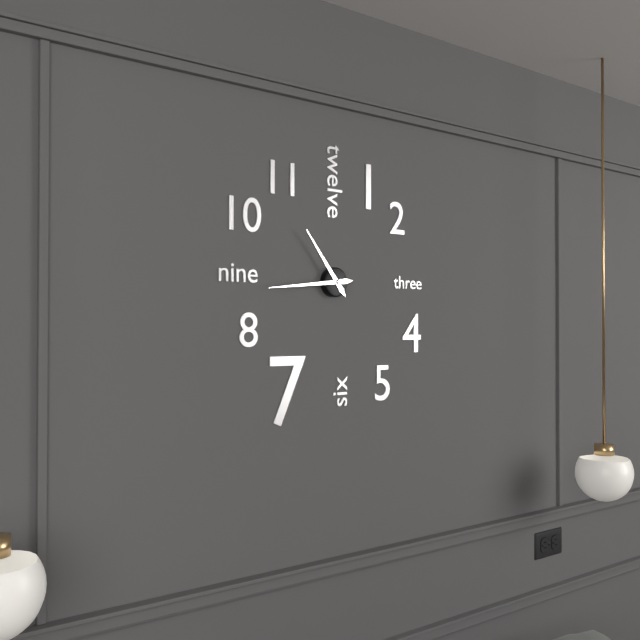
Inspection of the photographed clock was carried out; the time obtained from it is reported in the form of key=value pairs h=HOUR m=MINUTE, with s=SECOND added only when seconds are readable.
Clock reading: h=10 m=44
